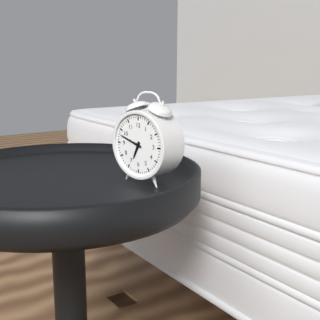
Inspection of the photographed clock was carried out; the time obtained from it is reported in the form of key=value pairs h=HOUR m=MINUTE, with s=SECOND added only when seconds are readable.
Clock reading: h=6 m=48
